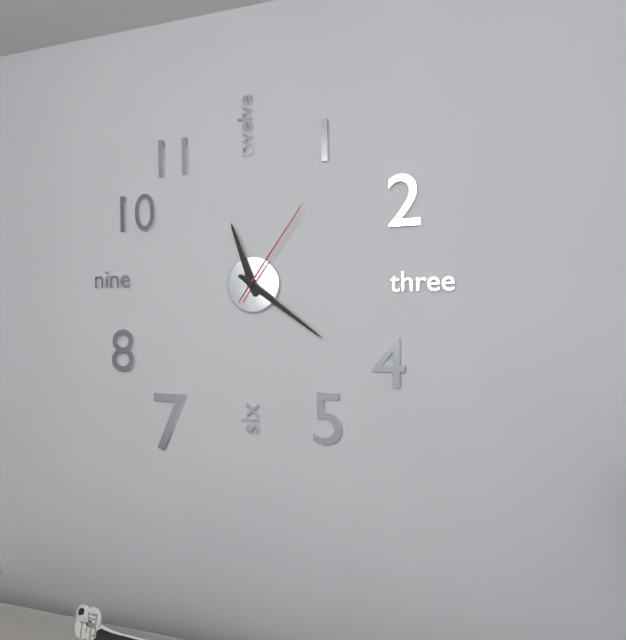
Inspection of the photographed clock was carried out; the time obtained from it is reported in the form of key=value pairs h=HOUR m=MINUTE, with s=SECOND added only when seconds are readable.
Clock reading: h=11 m=21 s=6
